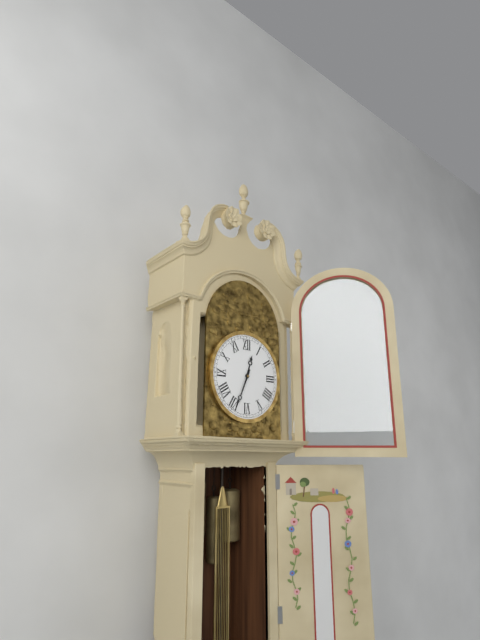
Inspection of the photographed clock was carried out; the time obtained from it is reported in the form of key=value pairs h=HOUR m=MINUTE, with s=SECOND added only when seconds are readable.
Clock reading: h=12 m=34
